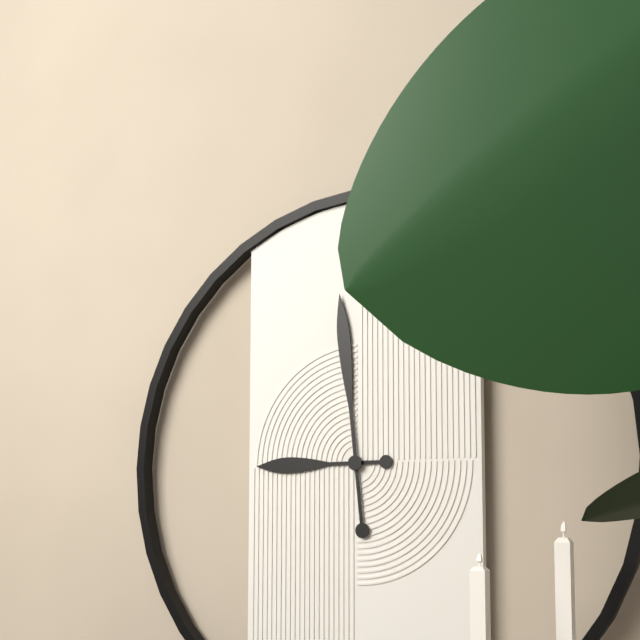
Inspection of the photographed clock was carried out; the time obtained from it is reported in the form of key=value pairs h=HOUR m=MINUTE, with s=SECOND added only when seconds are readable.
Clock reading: h=8 m=59
